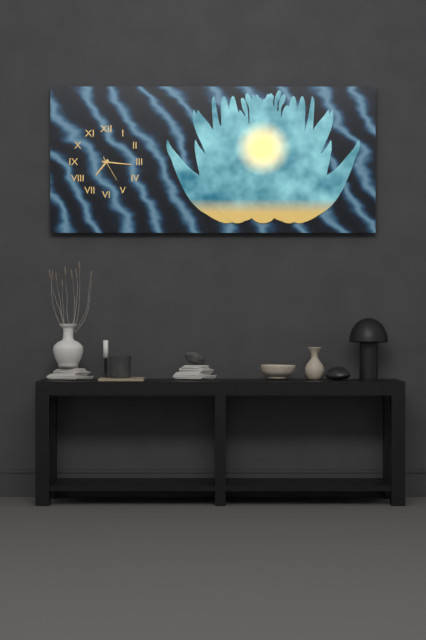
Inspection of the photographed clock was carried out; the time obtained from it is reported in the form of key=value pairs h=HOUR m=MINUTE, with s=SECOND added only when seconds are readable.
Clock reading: h=7 m=16
